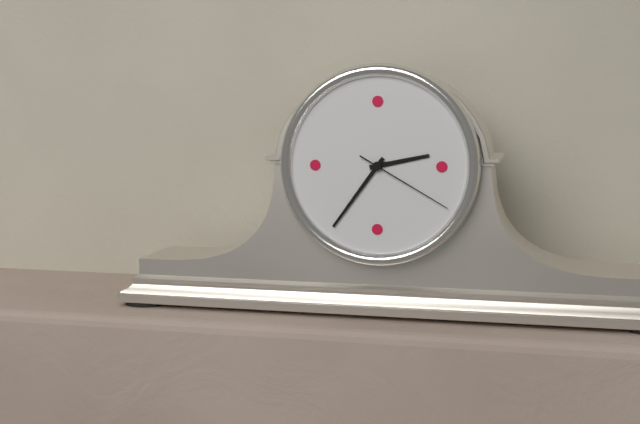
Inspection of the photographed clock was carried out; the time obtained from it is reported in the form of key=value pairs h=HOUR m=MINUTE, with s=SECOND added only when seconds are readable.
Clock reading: h=2 m=36 s=20
